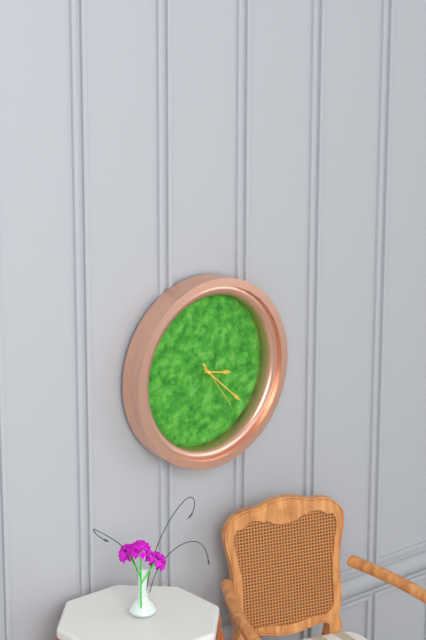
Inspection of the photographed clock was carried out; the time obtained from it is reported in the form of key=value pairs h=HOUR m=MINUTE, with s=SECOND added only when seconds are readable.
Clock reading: h=3 m=22 s=24
